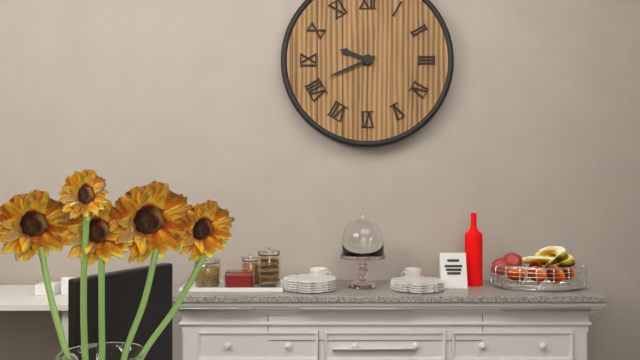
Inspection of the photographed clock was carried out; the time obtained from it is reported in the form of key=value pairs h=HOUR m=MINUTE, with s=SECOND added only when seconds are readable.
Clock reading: h=9 m=41
